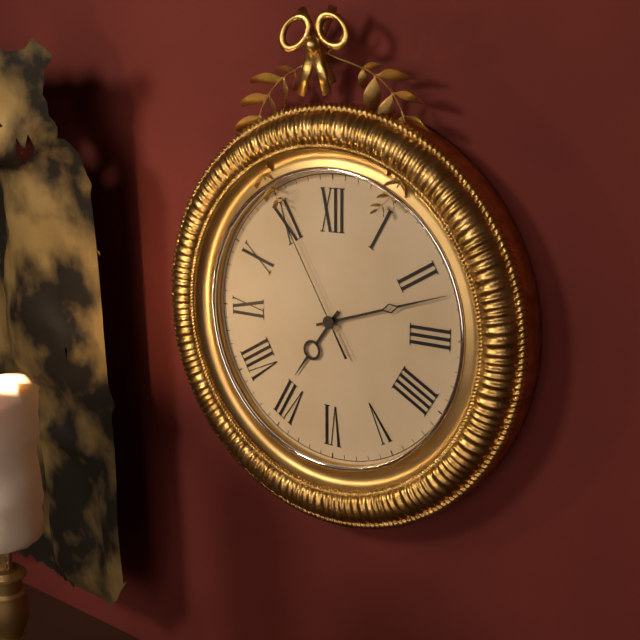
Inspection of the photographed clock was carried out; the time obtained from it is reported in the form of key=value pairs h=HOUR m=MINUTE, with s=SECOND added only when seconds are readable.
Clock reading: h=7 m=12 s=55
